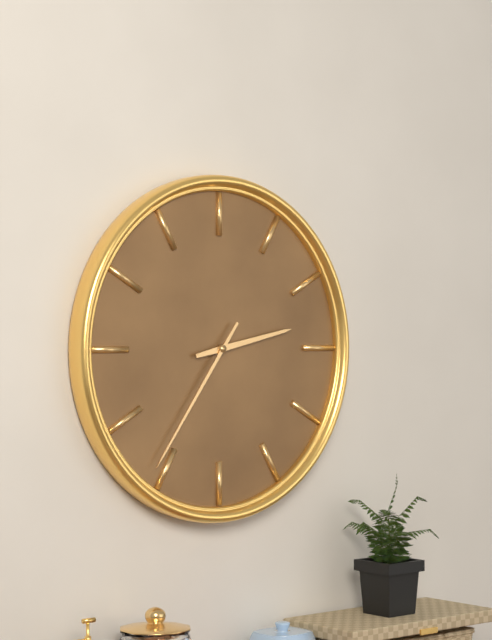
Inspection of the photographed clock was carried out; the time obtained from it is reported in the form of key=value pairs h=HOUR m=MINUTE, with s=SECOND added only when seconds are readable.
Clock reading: h=2 m=36
